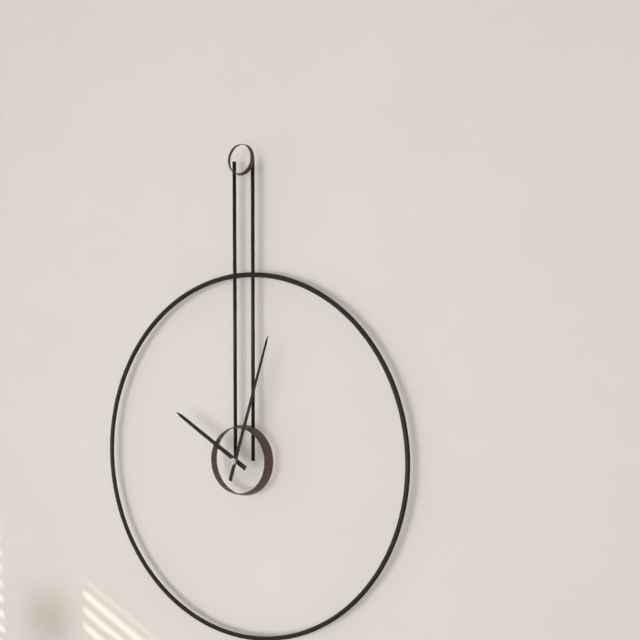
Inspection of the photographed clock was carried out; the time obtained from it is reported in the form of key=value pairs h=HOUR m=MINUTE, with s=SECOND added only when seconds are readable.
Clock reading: h=10 m=3
